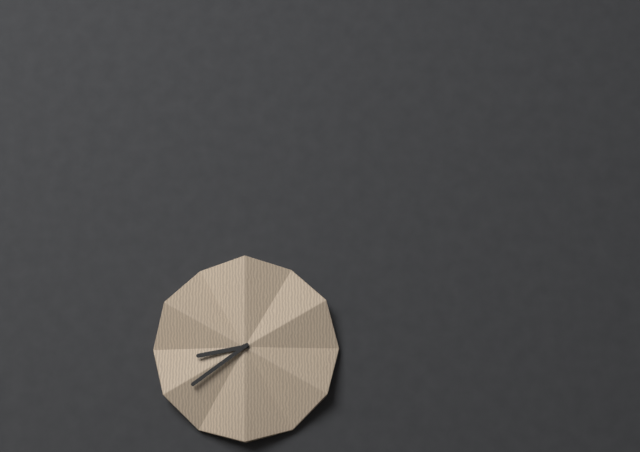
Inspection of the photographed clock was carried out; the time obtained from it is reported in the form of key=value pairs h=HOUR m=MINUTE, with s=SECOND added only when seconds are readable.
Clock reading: h=8 m=39
